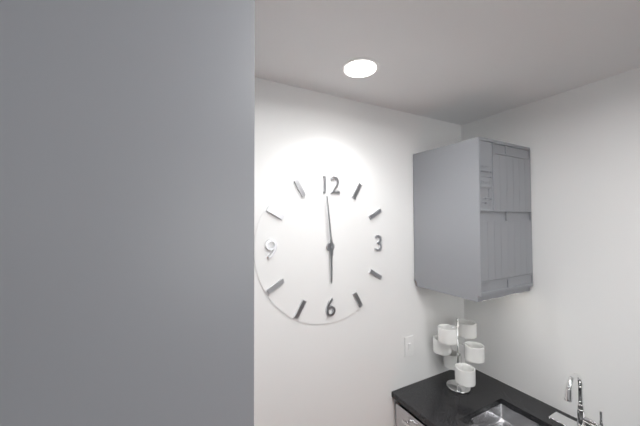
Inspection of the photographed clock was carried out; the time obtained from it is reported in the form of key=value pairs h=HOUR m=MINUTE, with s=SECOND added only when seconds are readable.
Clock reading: h=5 m=59
